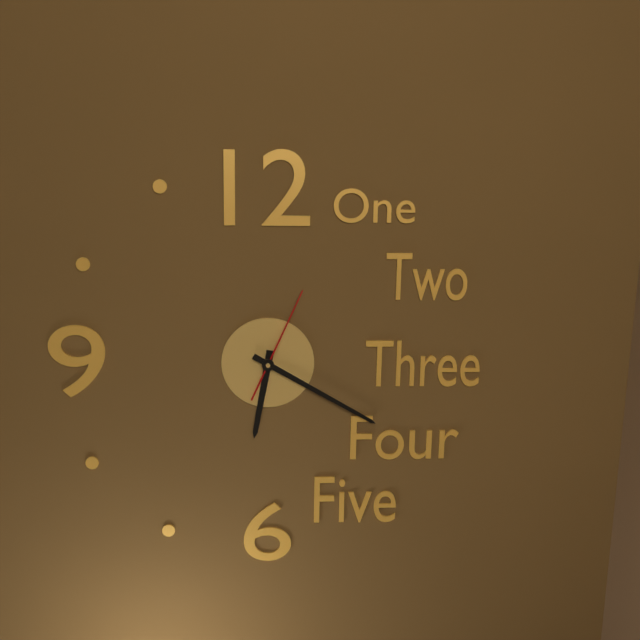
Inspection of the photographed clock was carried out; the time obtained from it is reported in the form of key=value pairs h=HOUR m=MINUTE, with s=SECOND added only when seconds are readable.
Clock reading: h=6 m=20 s=4
